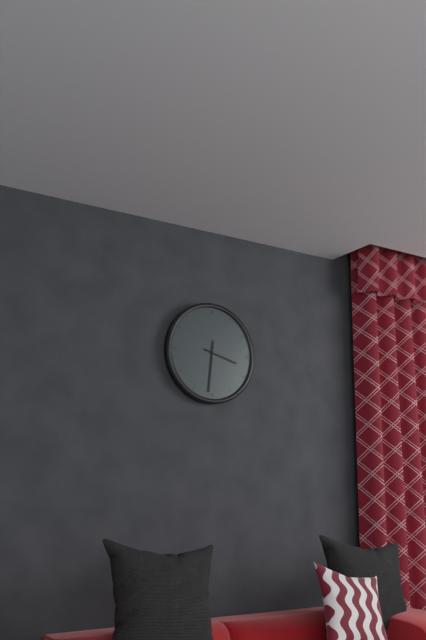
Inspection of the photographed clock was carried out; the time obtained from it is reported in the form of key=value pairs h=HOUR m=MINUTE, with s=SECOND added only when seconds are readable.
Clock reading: h=3 m=31
